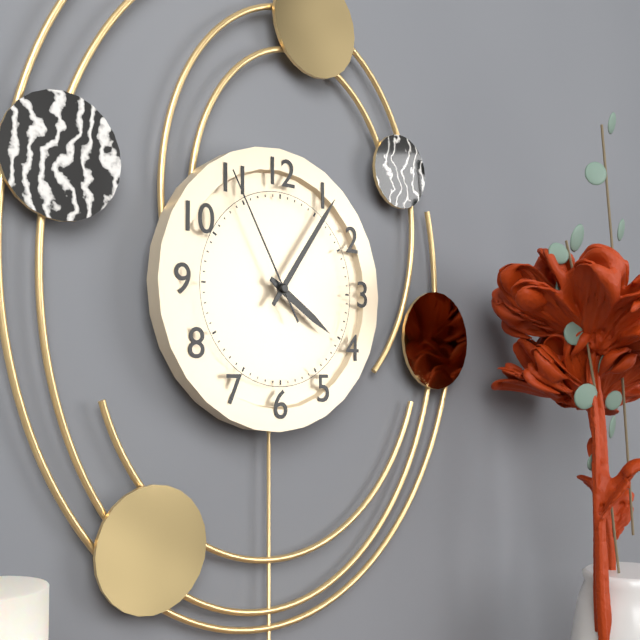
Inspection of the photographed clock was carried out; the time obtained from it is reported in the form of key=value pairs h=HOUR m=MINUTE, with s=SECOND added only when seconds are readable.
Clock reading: h=4 m=6 s=55
